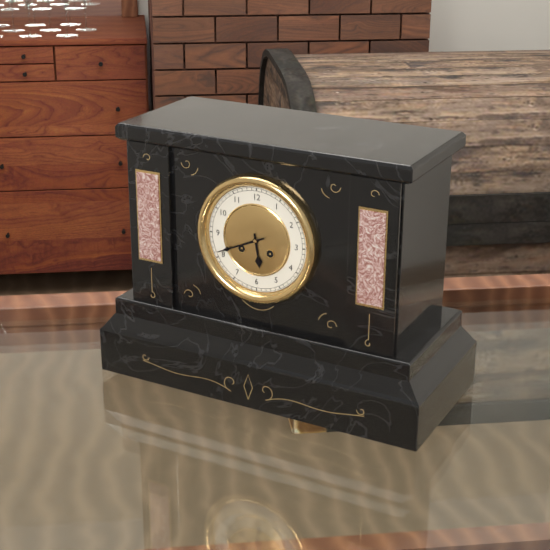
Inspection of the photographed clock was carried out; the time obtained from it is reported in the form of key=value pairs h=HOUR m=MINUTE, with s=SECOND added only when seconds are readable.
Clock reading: h=5 m=41
